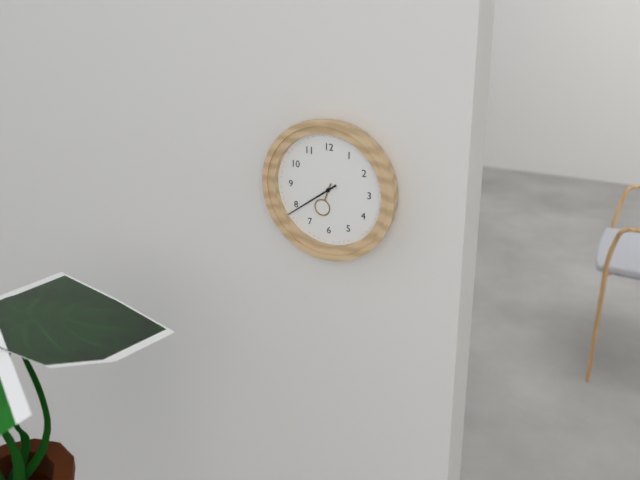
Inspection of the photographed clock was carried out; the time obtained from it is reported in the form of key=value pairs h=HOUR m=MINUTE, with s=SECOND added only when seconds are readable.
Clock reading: h=6 m=39
